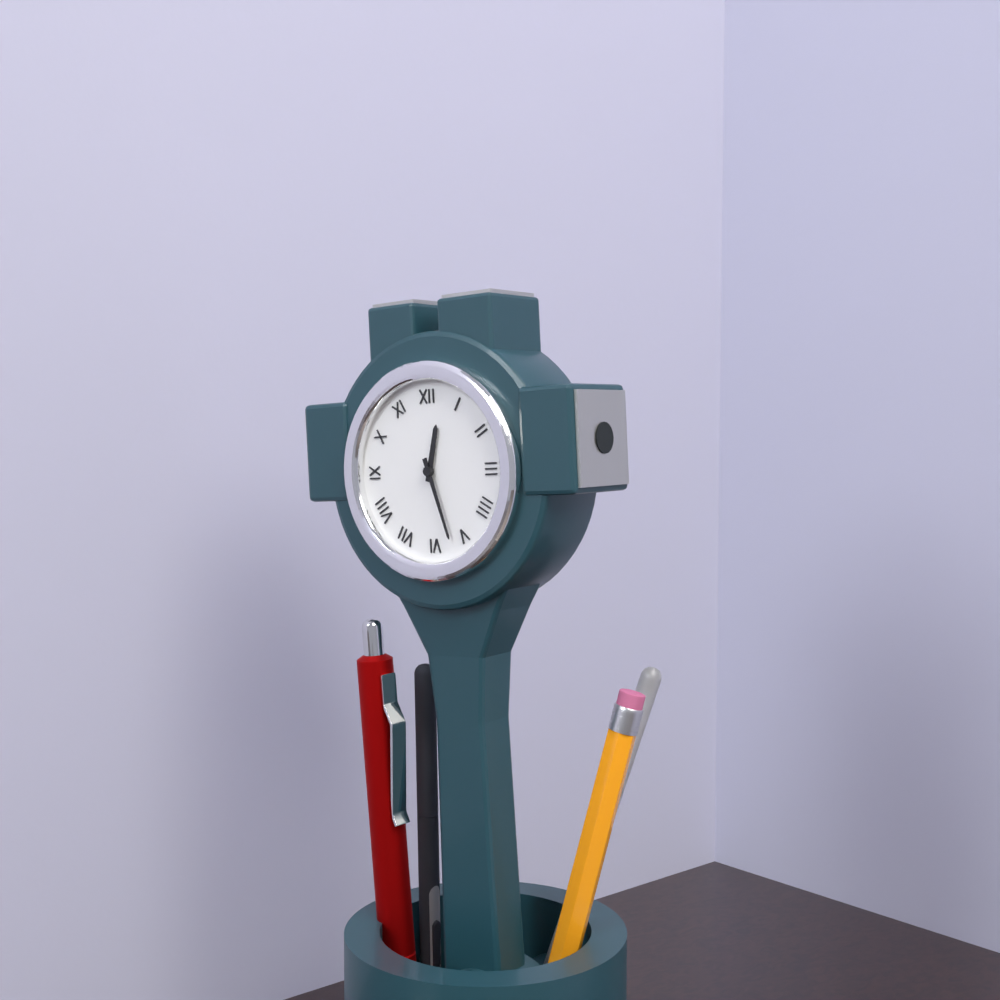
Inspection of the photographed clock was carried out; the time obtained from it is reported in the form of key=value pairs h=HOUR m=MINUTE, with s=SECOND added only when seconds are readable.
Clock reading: h=12 m=27
